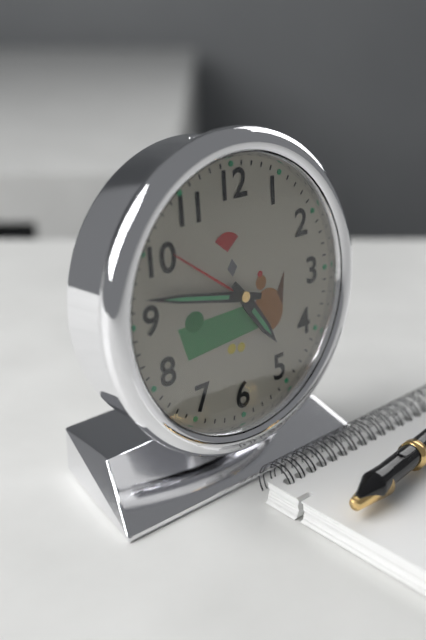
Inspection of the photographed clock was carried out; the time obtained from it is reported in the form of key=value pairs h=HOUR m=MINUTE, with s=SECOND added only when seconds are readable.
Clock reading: h=4 m=47
